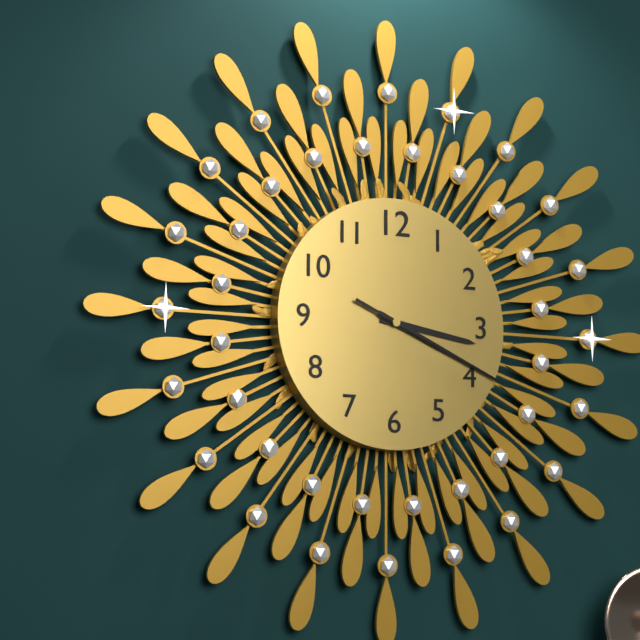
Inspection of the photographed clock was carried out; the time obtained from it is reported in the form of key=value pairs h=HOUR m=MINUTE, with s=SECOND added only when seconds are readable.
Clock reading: h=3 m=19 s=19
